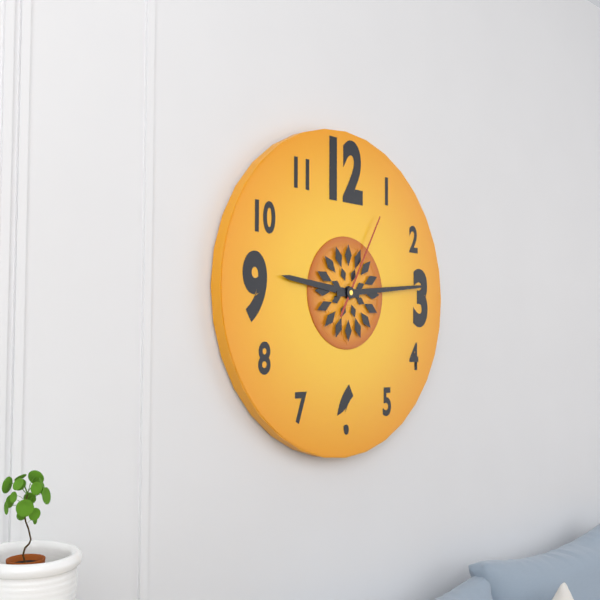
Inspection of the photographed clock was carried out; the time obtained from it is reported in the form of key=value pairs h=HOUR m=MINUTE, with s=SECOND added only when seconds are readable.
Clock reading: h=9 m=14 s=5
